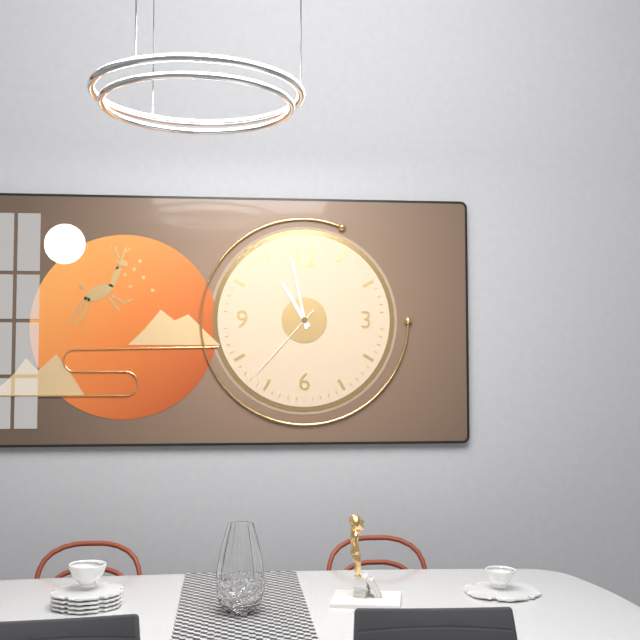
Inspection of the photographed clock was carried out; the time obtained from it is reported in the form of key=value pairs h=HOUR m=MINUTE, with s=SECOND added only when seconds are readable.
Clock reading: h=10 m=58 s=37
